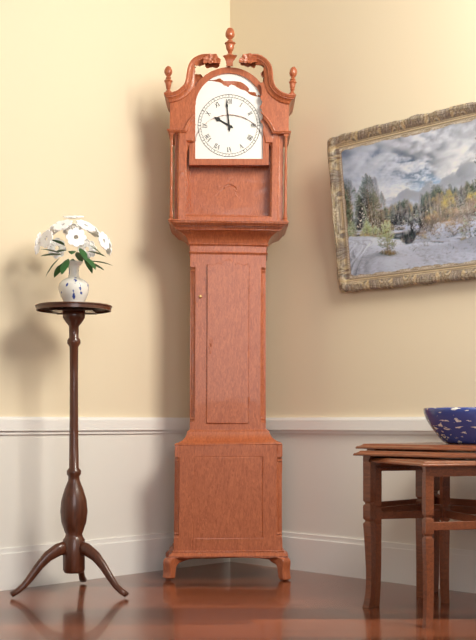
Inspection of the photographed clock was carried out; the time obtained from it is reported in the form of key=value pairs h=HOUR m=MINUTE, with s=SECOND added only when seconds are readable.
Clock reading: h=9 m=59
